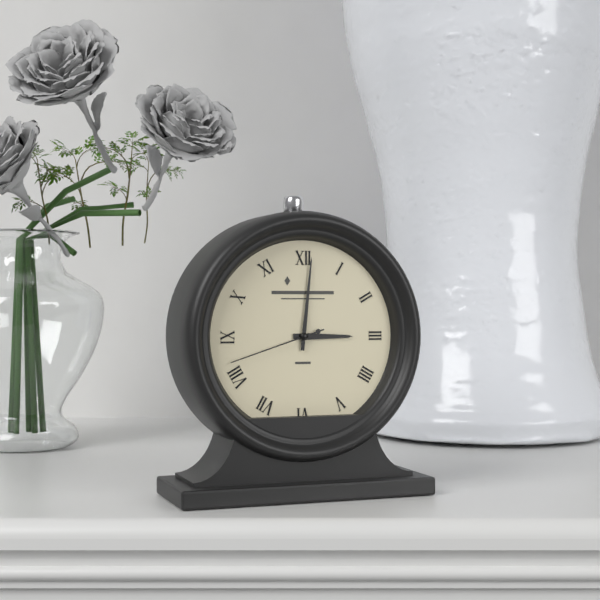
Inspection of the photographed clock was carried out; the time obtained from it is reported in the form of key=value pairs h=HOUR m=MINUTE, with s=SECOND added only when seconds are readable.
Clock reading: h=3 m=1 s=42
